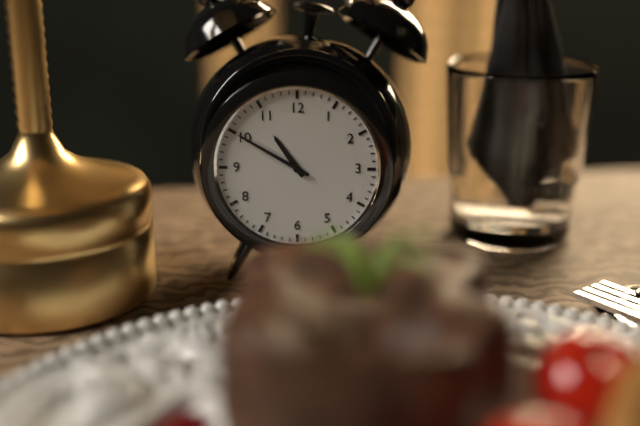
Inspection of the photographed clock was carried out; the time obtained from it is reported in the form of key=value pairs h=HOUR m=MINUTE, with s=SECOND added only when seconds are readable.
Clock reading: h=10 m=50
